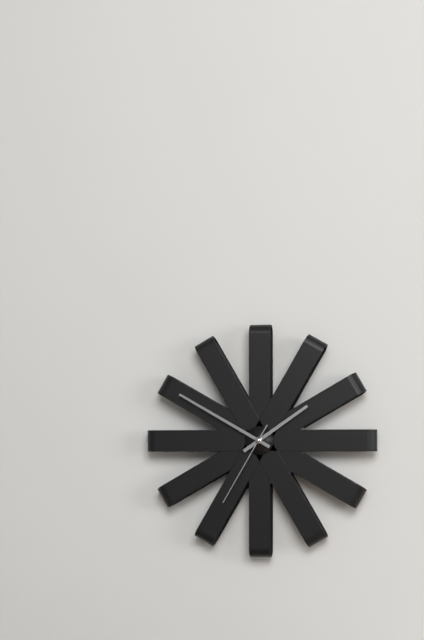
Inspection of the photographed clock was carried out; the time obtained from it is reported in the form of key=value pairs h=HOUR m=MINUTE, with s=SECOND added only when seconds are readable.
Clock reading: h=1 m=50 s=35
